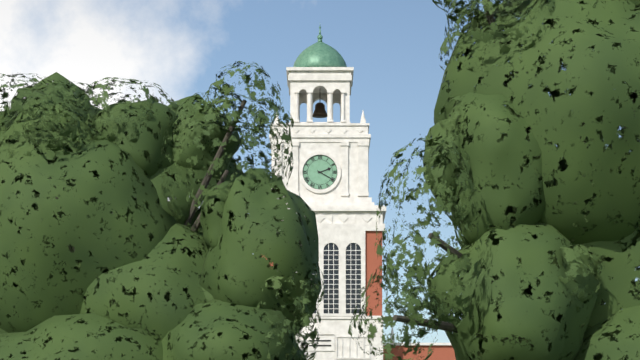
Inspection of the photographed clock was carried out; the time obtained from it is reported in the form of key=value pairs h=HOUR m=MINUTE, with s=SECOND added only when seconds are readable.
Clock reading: h=2 m=20
